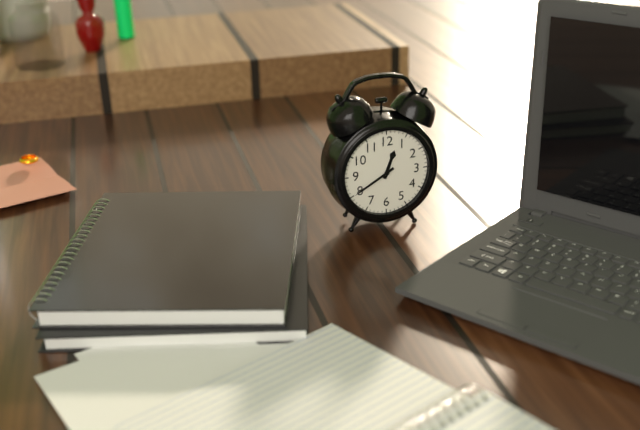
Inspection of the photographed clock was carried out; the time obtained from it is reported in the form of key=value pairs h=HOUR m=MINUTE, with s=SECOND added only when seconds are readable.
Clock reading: h=12 m=40
